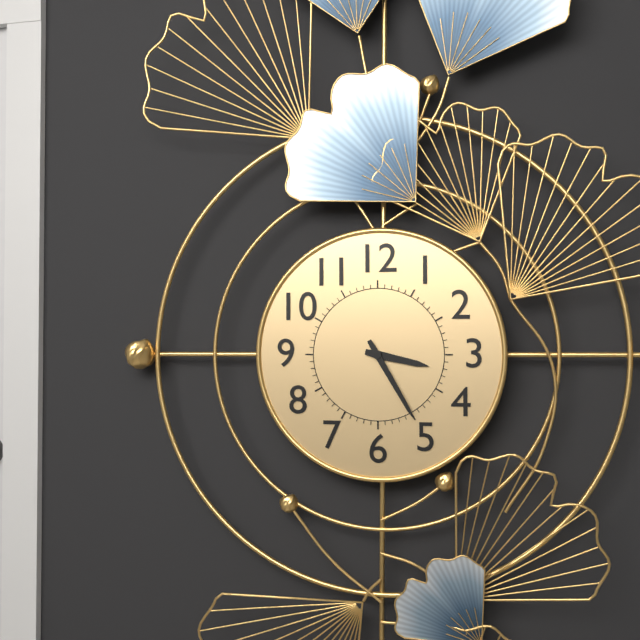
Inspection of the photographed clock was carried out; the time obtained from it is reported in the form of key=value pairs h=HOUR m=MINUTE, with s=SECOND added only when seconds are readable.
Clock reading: h=3 m=25
